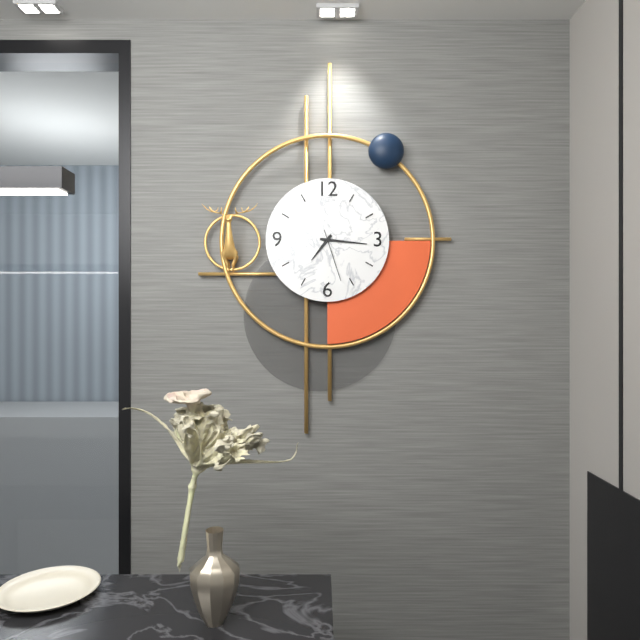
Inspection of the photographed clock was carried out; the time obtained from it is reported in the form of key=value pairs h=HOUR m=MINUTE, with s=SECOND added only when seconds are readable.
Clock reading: h=7 m=16 s=27
